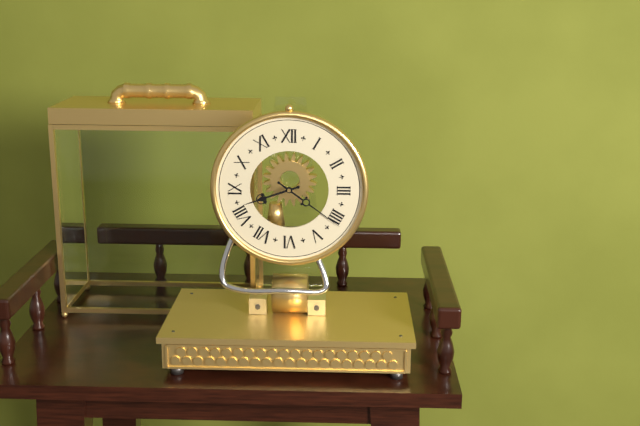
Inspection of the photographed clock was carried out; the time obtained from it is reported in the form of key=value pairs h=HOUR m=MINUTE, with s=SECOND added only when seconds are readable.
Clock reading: h=8 m=21
